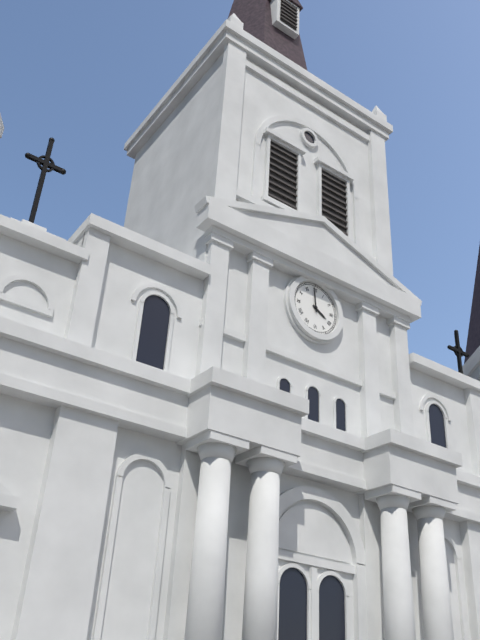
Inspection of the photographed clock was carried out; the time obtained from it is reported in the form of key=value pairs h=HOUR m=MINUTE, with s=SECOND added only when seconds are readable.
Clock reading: h=3 m=59
